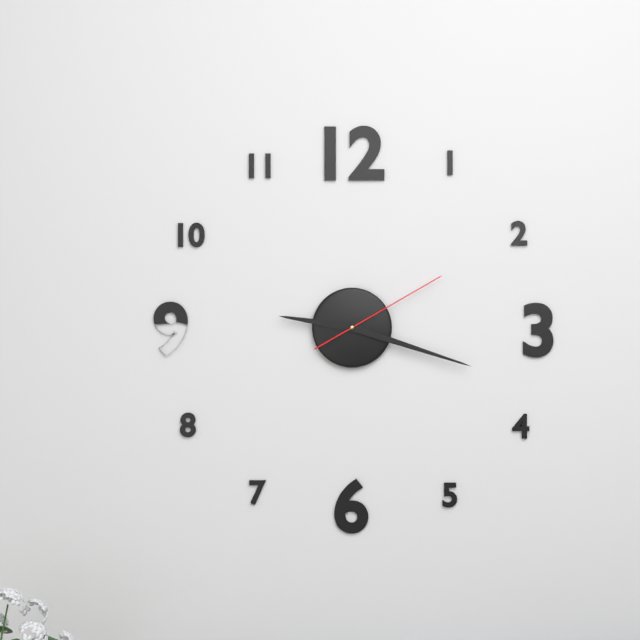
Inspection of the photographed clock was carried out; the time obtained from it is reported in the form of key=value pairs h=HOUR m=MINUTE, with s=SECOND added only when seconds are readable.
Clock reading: h=9 m=18 s=10
